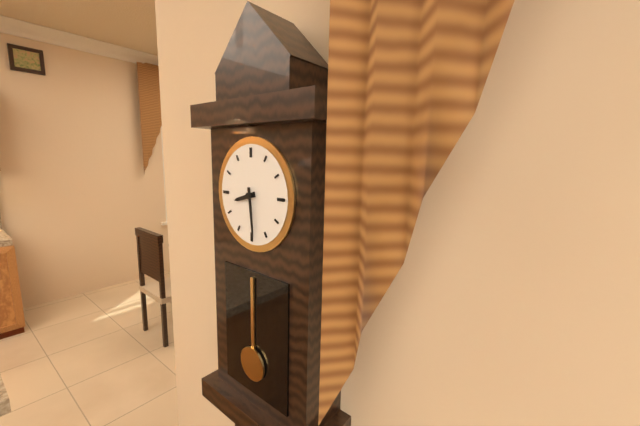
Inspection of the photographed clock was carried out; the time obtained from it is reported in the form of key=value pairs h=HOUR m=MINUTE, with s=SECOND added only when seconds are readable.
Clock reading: h=8 m=29
